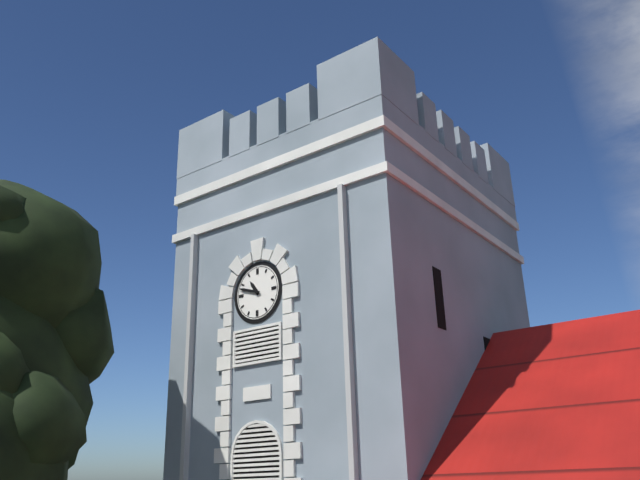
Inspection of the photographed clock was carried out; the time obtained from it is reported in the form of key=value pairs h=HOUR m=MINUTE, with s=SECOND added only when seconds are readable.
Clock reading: h=10 m=48
